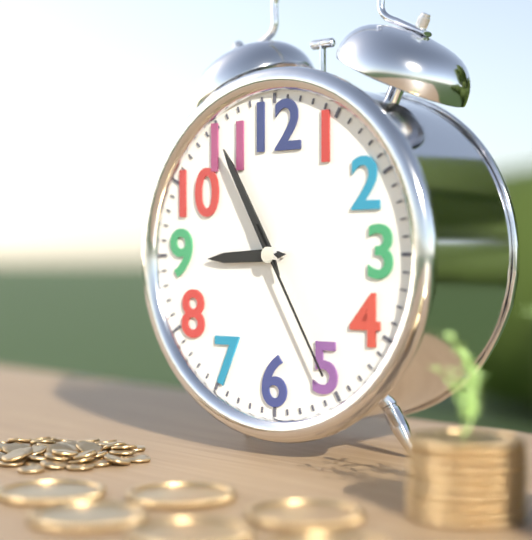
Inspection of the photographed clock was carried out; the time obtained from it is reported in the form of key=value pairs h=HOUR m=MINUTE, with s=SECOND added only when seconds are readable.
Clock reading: h=8 m=55 s=25
